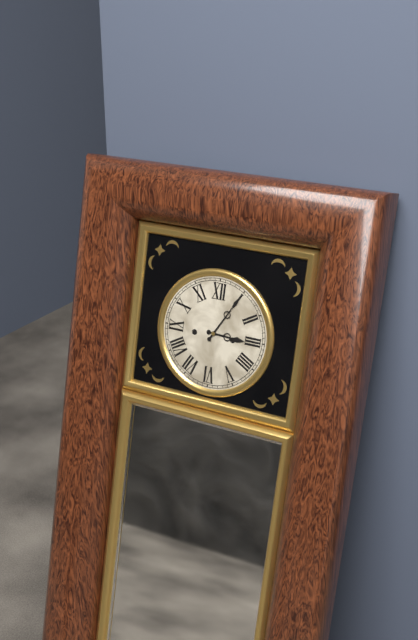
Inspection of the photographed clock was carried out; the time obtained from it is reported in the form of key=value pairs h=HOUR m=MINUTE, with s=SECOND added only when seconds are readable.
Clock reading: h=3 m=5
